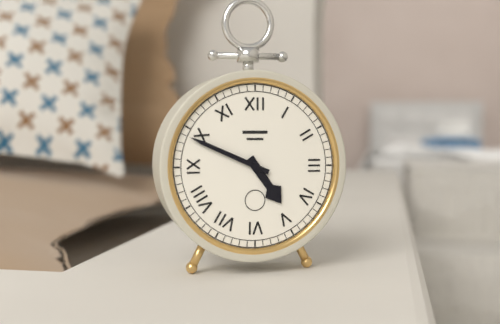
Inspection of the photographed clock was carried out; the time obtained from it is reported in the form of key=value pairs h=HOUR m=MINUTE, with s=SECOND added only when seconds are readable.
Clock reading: h=4 m=49
